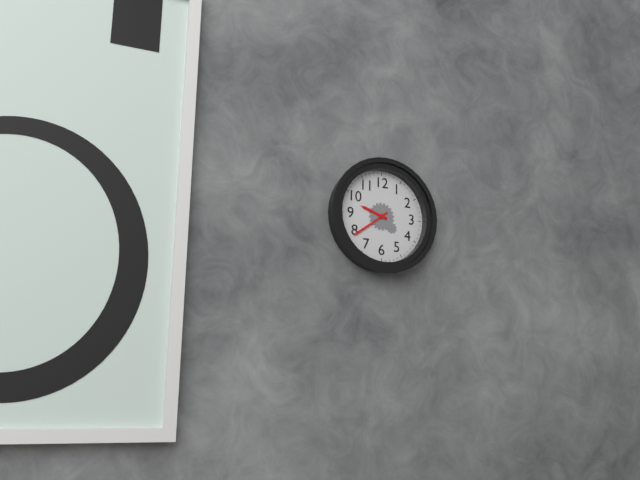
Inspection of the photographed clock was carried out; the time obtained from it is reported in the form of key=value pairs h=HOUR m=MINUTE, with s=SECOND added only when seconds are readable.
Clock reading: h=9 m=39
